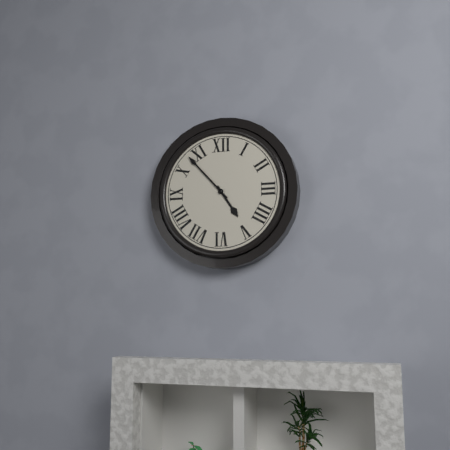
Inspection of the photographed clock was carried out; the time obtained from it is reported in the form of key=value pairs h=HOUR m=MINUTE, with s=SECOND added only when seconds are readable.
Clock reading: h=4 m=53
